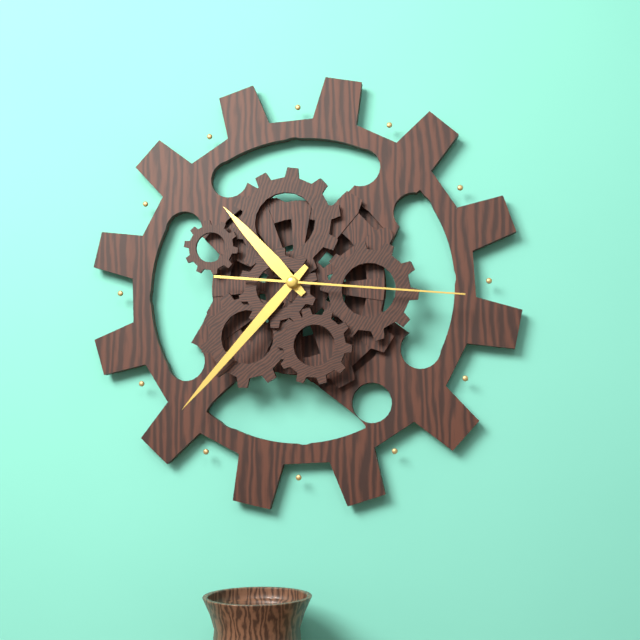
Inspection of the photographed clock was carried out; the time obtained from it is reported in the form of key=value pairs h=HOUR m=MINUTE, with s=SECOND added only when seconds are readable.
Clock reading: h=10 m=37 s=16
